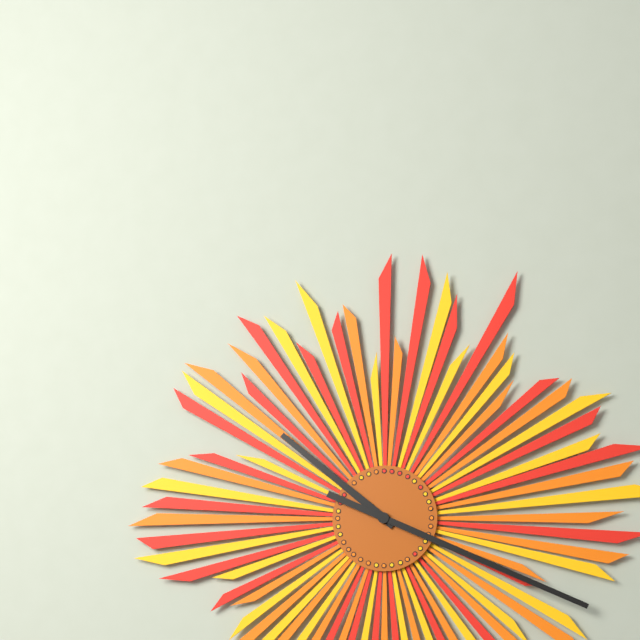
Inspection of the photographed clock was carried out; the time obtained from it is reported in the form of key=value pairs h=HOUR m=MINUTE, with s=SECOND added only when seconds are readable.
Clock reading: h=10 m=19
